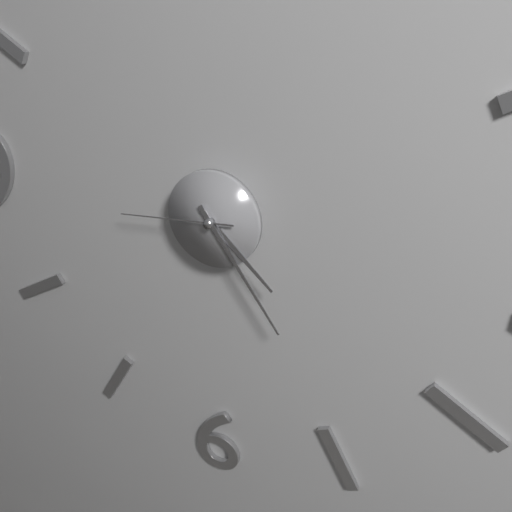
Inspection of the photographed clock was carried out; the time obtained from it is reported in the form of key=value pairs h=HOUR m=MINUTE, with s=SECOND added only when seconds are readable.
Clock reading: h=4 m=24 s=44
